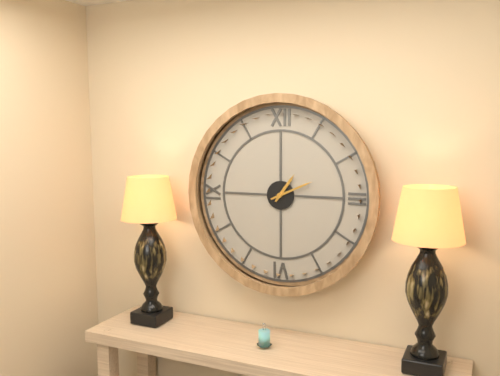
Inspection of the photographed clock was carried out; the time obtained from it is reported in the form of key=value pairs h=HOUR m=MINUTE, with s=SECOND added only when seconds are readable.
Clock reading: h=1 m=11
